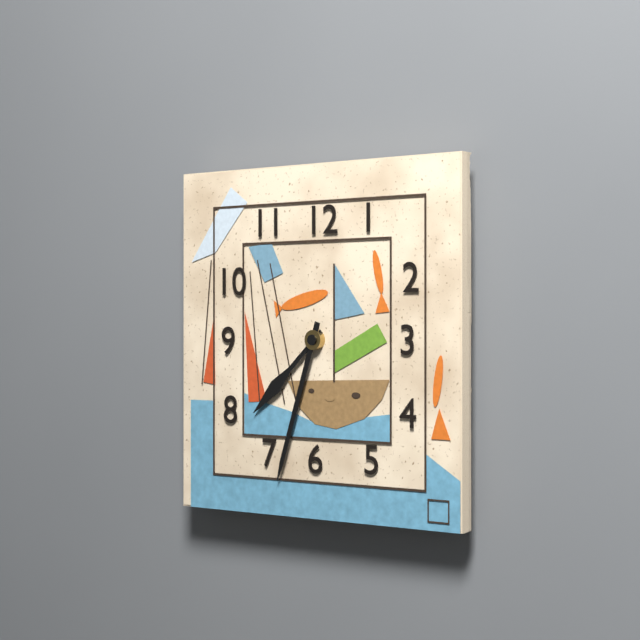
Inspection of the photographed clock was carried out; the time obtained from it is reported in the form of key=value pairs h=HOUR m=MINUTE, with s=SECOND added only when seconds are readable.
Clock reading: h=7 m=33
